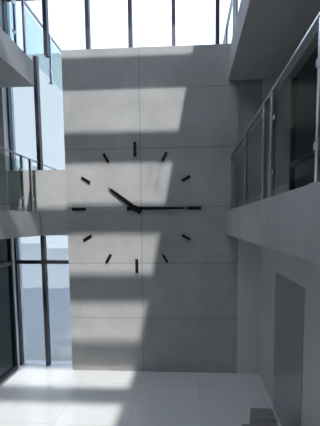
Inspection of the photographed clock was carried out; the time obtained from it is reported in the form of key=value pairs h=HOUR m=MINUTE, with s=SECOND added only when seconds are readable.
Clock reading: h=10 m=15
